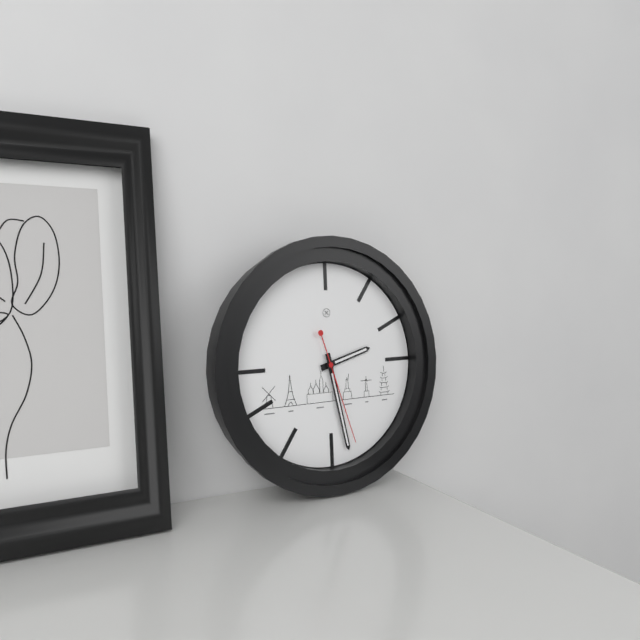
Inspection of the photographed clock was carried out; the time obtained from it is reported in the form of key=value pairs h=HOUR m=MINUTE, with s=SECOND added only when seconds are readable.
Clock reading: h=2 m=28 s=27
